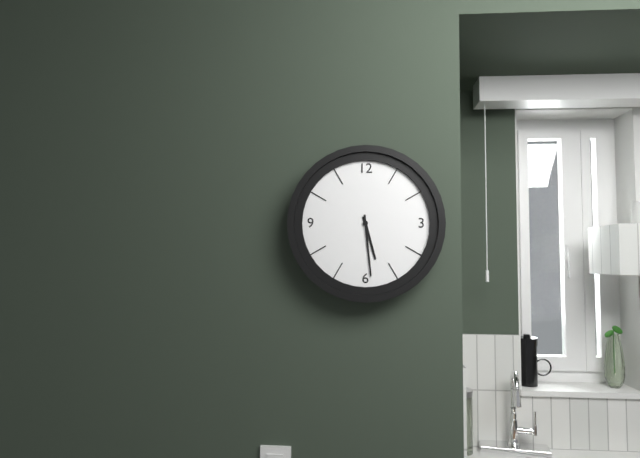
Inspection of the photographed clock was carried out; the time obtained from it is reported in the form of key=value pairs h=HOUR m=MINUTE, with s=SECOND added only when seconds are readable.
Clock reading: h=5 m=29
